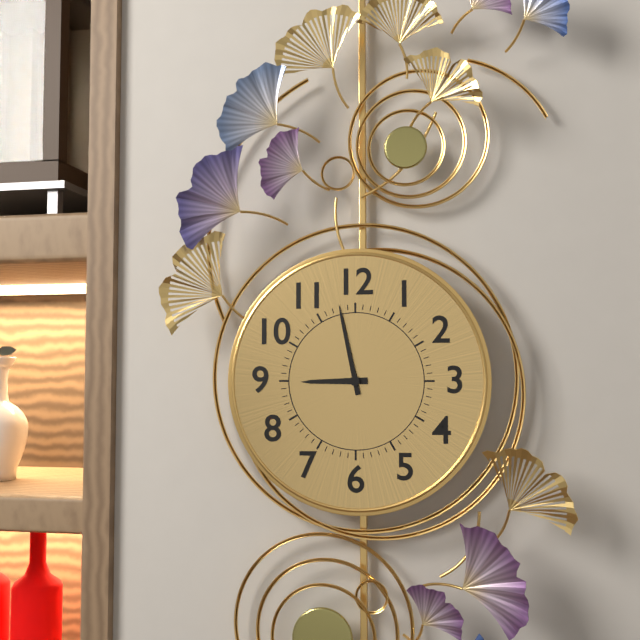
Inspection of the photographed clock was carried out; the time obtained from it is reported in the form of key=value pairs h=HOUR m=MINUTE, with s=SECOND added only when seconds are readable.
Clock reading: h=8 m=58
